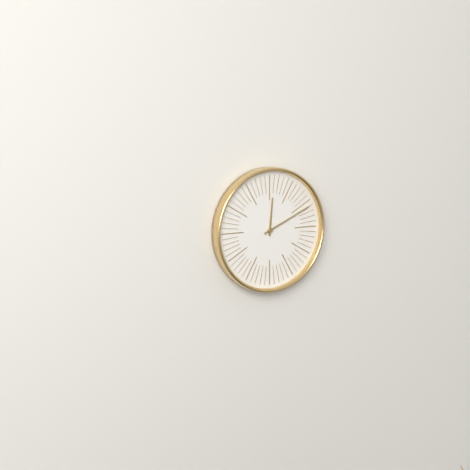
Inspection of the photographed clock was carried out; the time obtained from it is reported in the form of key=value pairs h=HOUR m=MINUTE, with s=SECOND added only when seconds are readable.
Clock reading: h=12 m=11
